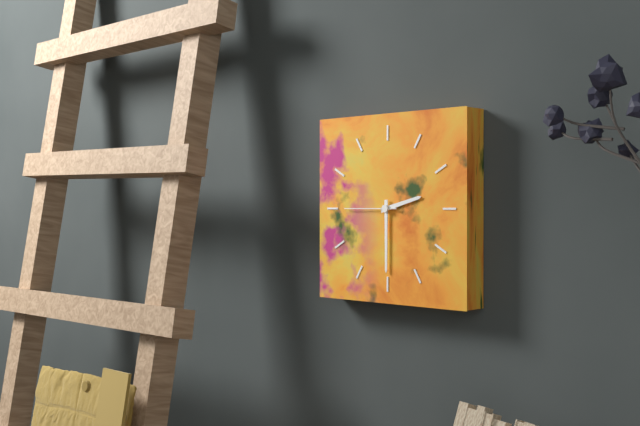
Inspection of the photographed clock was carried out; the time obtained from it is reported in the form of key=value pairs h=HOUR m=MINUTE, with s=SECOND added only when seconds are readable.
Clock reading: h=2 m=30 s=45
